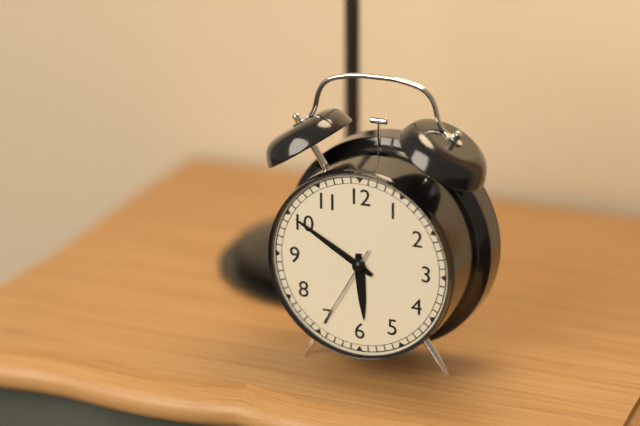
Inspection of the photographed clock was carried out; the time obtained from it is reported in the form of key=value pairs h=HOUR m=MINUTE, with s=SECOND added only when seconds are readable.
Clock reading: h=5 m=50 s=35
